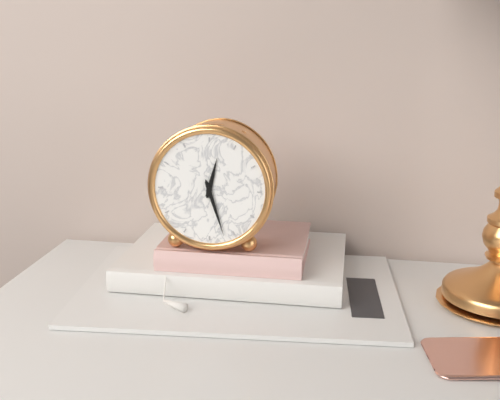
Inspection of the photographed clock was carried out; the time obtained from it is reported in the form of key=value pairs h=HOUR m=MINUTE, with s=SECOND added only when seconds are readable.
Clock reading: h=12 m=27
